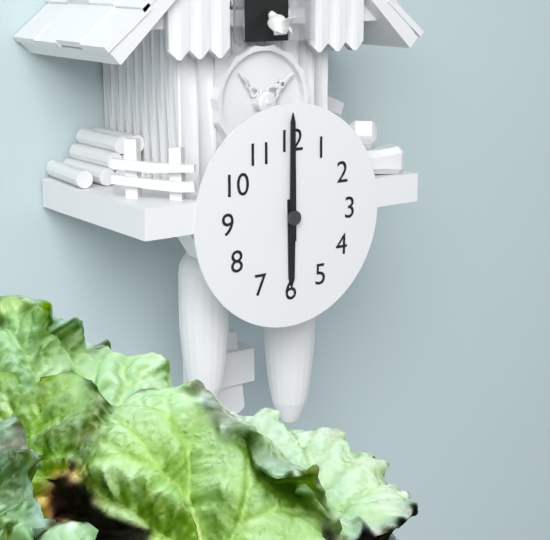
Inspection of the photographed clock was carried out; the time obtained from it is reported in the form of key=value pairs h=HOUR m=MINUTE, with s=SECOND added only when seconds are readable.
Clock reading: h=6 m=0
